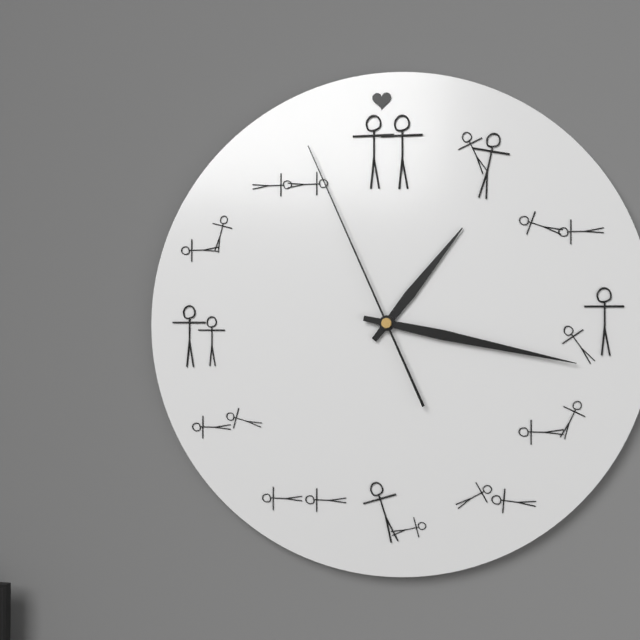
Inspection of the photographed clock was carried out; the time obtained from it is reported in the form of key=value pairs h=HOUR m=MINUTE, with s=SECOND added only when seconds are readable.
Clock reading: h=1 m=17 s=56
